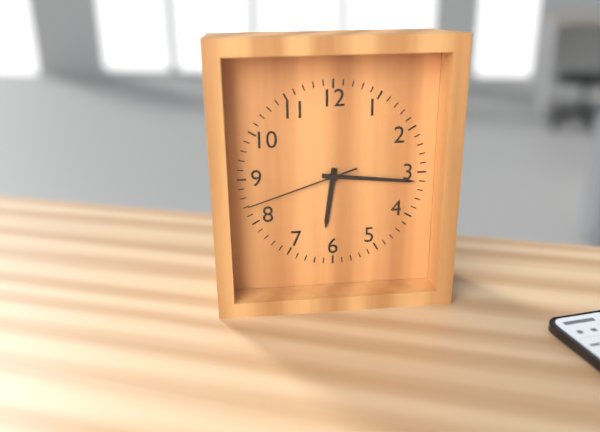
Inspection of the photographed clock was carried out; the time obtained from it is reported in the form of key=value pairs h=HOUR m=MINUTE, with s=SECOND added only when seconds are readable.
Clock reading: h=6 m=16 s=42
